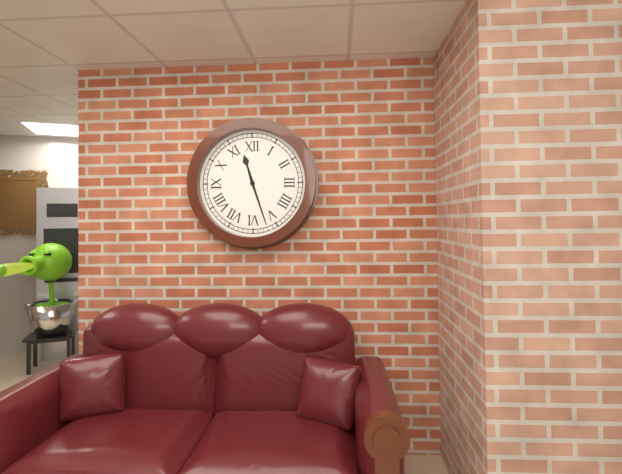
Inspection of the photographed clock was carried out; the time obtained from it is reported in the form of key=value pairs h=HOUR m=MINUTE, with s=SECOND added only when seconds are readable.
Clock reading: h=11 m=27
